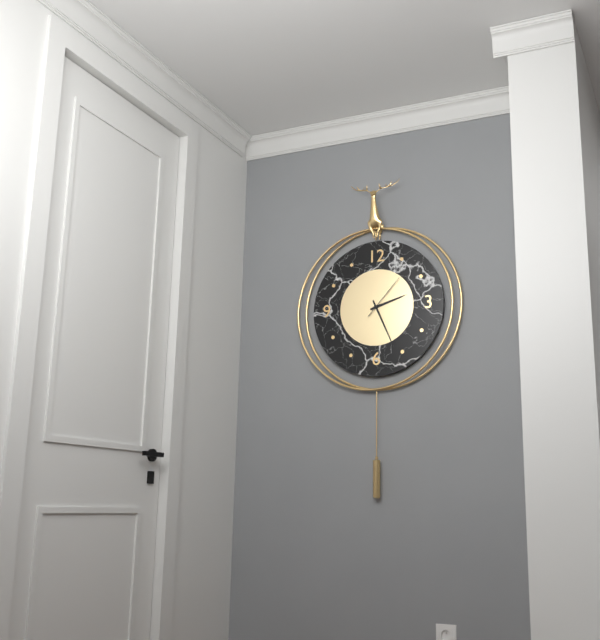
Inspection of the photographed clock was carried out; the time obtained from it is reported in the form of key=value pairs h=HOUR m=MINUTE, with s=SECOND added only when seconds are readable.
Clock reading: h=2 m=26
